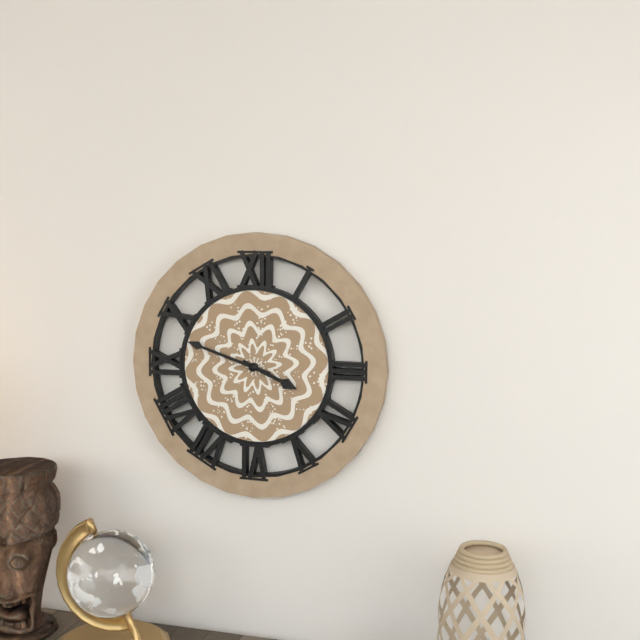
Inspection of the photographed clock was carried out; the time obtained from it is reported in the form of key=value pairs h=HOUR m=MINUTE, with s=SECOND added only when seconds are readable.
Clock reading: h=3 m=48
